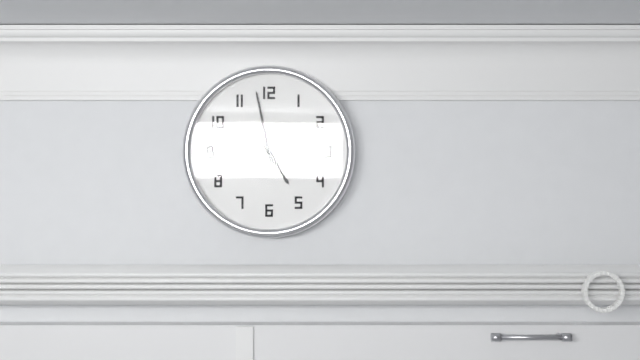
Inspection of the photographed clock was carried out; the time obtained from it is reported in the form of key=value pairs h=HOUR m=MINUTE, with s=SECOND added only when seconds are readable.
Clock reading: h=4 m=58
